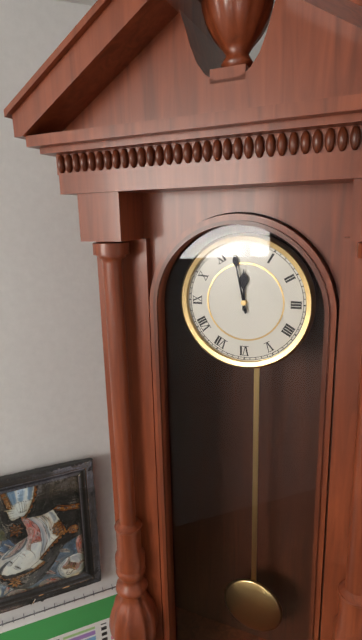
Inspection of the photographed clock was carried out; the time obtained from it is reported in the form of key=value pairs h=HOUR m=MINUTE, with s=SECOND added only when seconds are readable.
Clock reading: h=11 m=58
